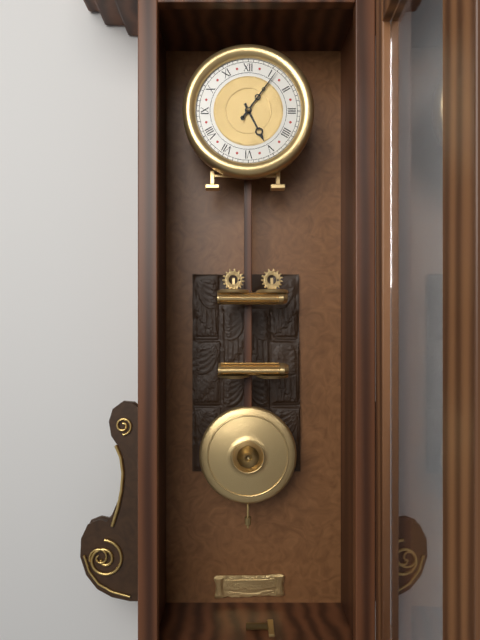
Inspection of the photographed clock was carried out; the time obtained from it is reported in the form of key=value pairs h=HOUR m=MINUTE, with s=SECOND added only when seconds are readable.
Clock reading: h=5 m=6
